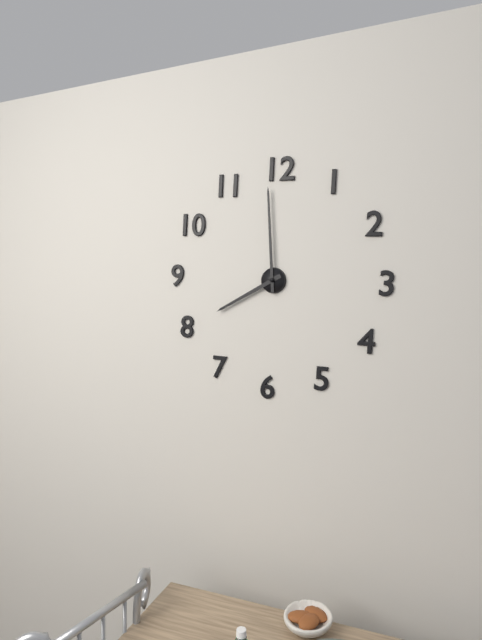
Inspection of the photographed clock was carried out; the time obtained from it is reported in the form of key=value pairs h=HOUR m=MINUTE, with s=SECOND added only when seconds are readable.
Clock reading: h=7 m=59
